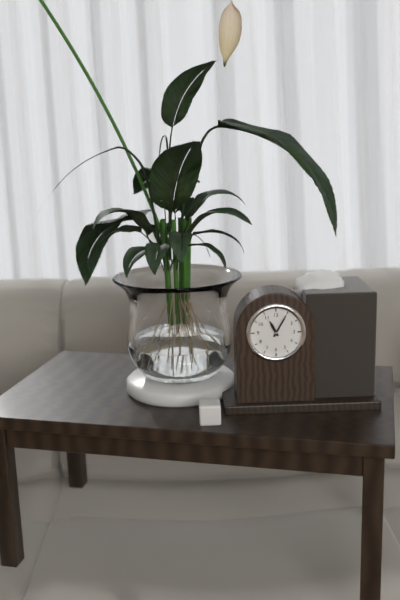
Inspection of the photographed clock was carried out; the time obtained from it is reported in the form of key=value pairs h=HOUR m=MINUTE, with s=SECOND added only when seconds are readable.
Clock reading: h=11 m=5
